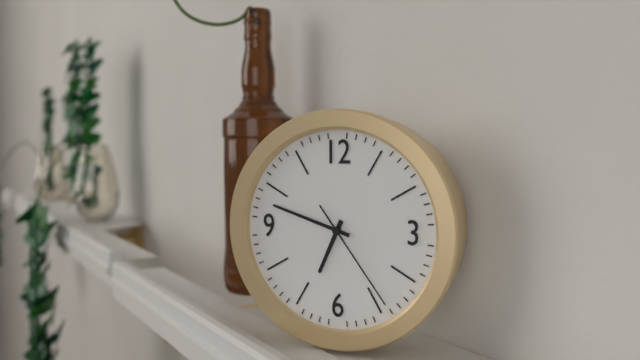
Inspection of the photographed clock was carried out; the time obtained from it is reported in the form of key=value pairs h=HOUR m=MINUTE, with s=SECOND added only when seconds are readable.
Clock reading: h=6 m=48 s=24
